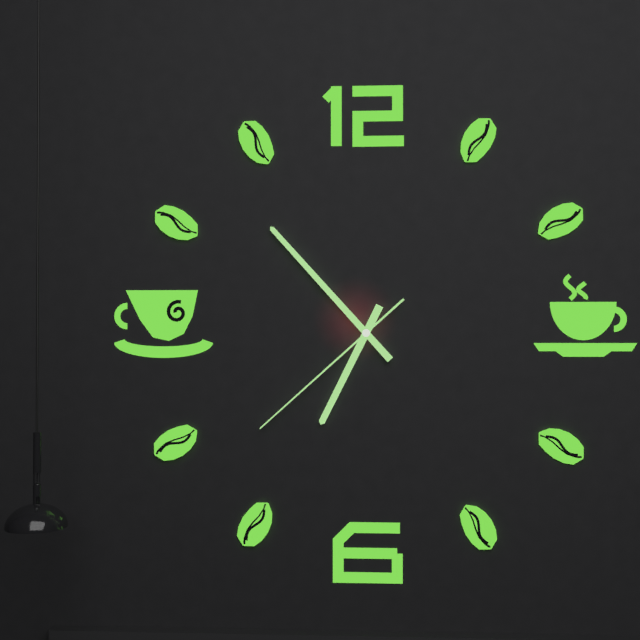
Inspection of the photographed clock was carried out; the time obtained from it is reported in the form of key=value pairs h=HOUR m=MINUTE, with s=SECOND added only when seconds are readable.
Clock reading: h=6 m=53 s=38
